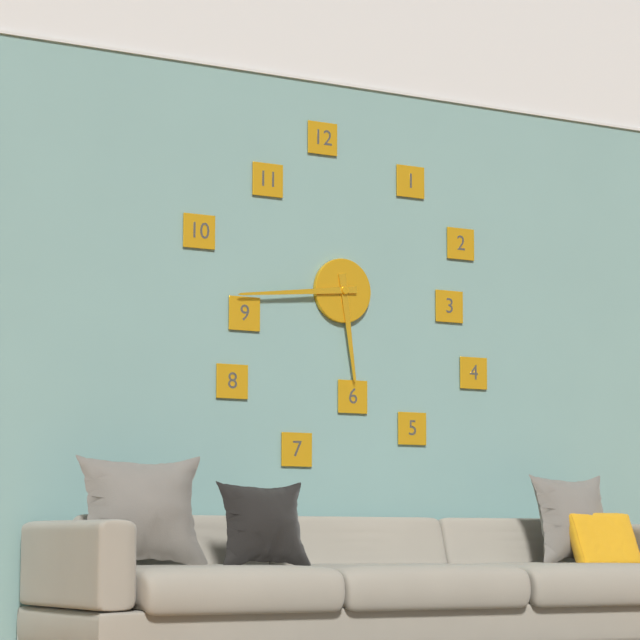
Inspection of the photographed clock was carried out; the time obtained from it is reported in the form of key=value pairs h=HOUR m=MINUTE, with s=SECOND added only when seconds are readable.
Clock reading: h=5 m=44
